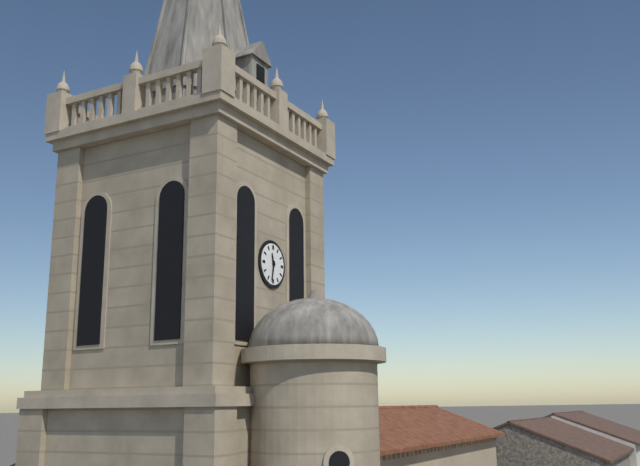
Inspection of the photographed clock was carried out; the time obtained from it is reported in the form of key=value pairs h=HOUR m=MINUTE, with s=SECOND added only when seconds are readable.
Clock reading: h=11 m=32
